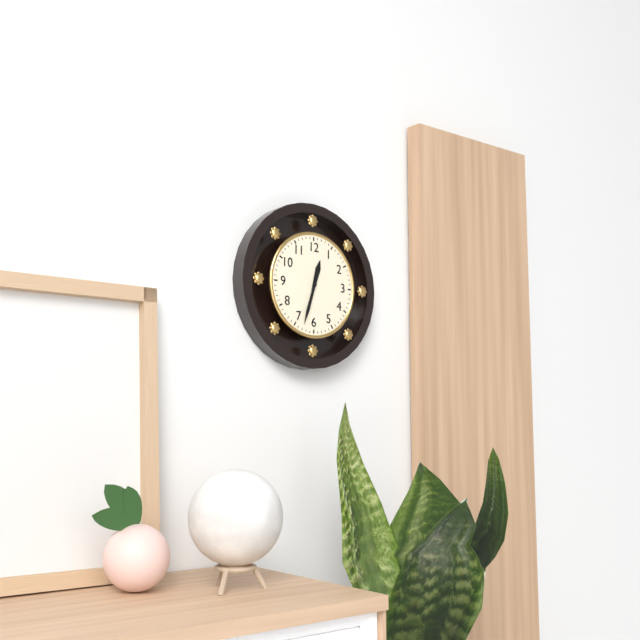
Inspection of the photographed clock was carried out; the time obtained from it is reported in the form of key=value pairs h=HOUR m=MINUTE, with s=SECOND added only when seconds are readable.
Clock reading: h=12 m=33
